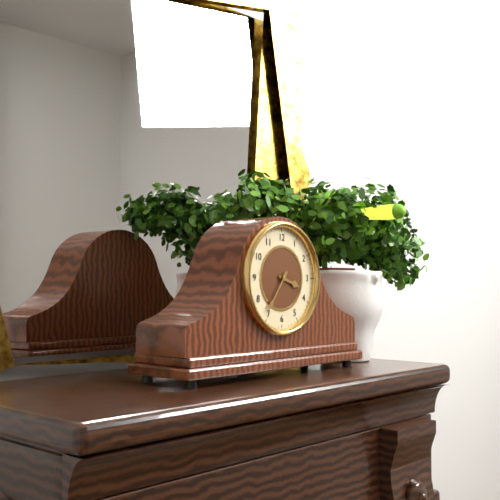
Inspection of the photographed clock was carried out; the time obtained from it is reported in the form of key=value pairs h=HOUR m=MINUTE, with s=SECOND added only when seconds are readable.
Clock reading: h=3 m=36
